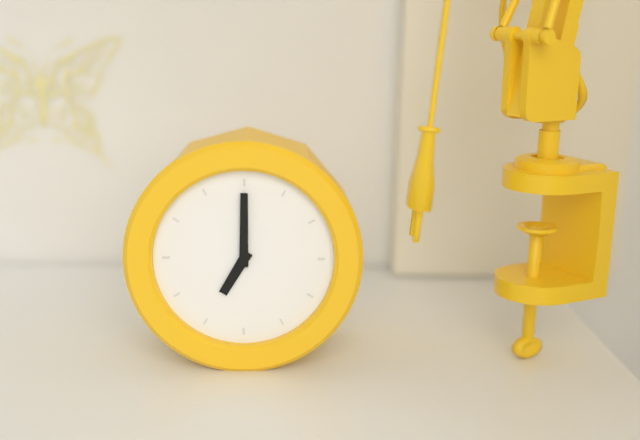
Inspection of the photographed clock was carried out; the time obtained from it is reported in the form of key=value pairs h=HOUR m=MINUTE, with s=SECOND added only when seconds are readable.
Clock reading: h=7 m=0
